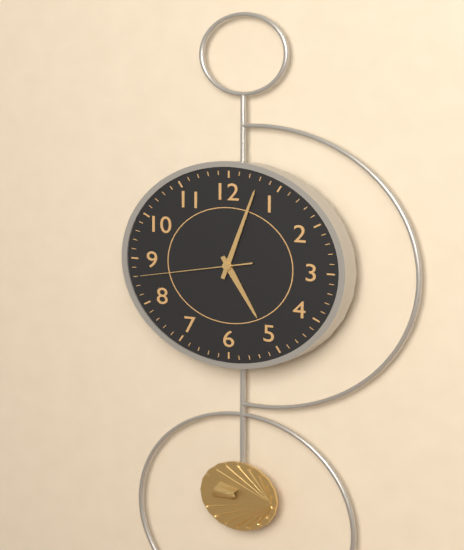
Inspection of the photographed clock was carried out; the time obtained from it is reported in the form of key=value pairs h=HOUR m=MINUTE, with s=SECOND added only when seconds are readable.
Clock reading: h=5 m=3 s=43
